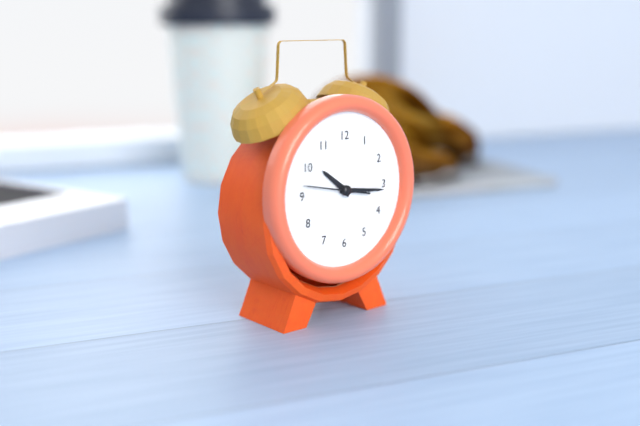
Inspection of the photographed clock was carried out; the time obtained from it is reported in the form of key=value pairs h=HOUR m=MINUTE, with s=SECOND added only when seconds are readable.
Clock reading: h=10 m=16 s=47
